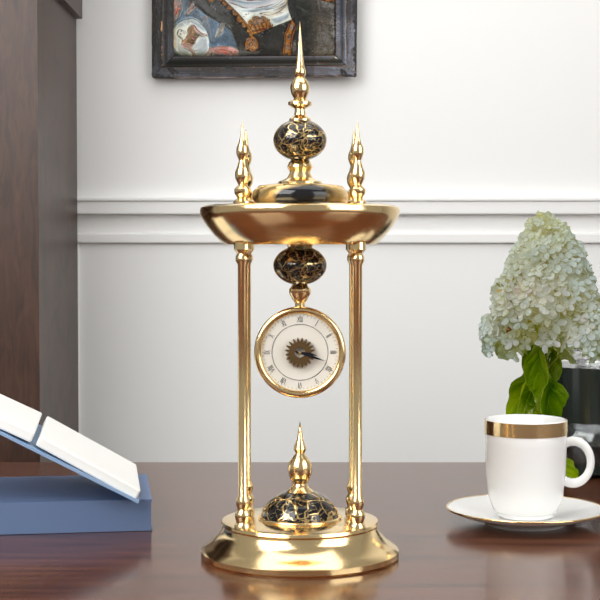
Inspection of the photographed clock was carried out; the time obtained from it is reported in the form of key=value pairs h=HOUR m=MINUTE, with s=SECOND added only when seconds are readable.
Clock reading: h=3 m=18
